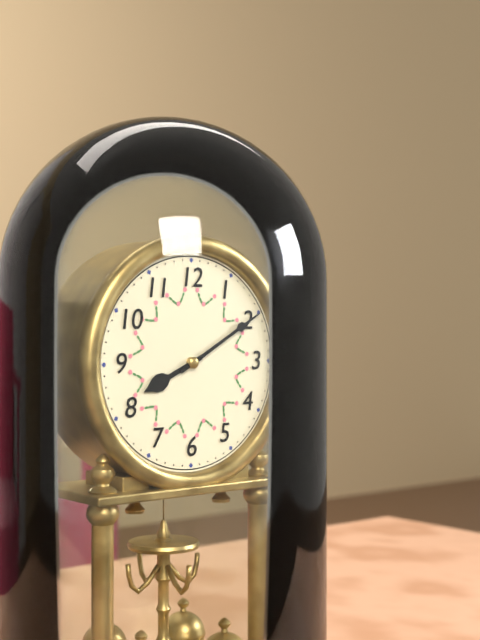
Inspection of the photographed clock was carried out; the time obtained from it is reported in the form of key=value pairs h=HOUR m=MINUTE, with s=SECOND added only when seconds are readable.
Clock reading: h=8 m=10
